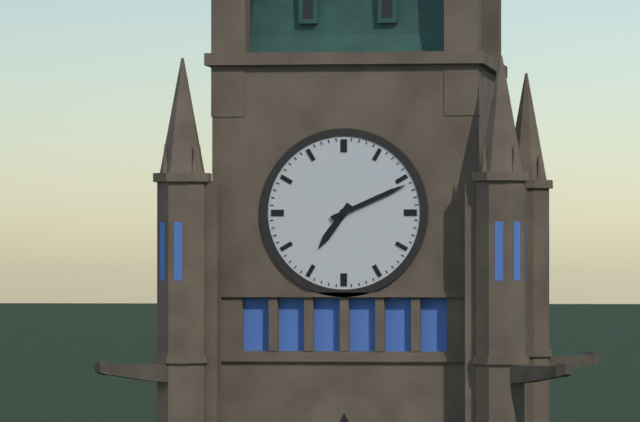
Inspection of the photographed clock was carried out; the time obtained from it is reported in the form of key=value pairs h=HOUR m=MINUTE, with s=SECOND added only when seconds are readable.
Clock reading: h=7 m=11
